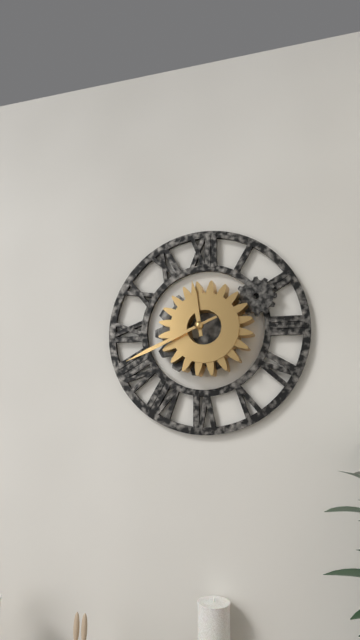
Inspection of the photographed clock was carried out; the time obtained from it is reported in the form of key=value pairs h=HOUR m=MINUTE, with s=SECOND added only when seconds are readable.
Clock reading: h=11 m=41
